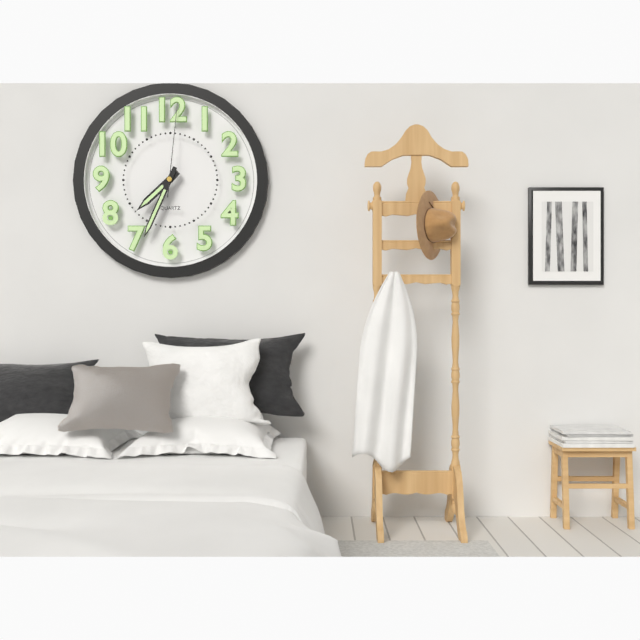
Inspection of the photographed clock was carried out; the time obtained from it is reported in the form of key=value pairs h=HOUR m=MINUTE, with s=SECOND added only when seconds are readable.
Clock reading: h=7 m=34 s=1
